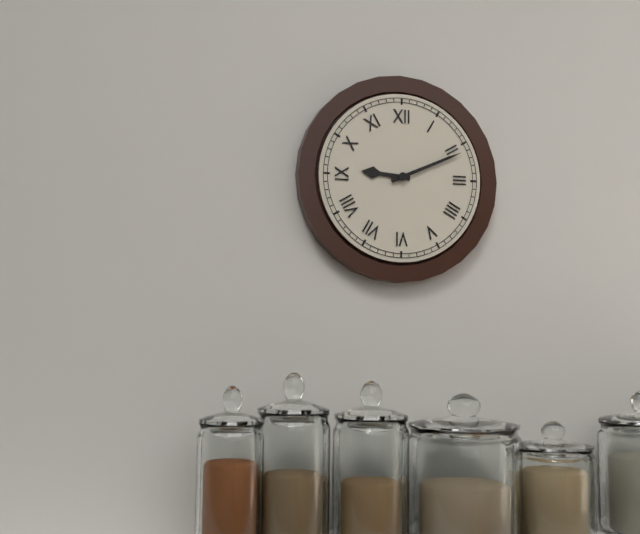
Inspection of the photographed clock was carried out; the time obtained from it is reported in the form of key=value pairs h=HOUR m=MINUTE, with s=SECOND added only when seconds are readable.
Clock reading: h=9 m=11
